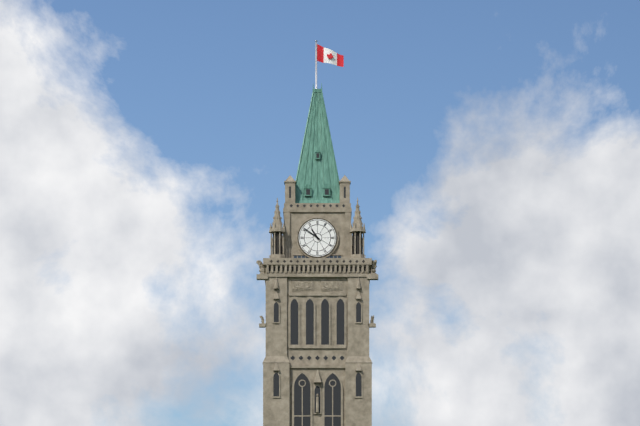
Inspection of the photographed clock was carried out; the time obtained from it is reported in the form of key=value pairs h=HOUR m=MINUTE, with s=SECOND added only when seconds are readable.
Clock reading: h=10 m=51
